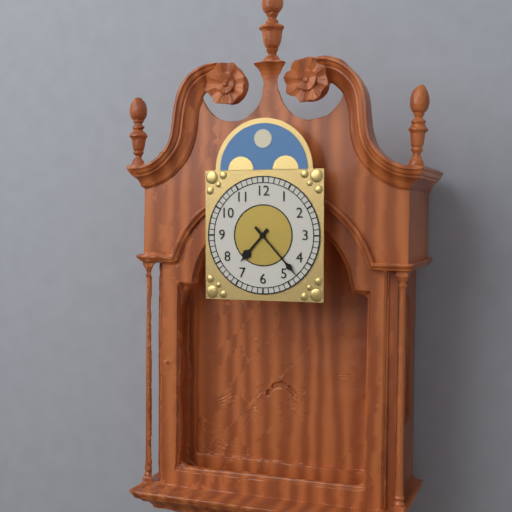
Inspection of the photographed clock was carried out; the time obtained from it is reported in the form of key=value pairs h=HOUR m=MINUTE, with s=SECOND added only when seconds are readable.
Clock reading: h=7 m=23
